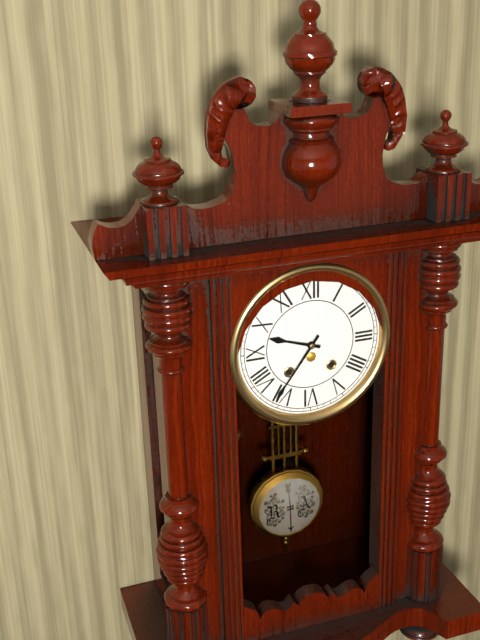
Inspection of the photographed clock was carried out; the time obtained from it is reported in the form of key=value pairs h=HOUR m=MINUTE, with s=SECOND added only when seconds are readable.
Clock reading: h=9 m=36
